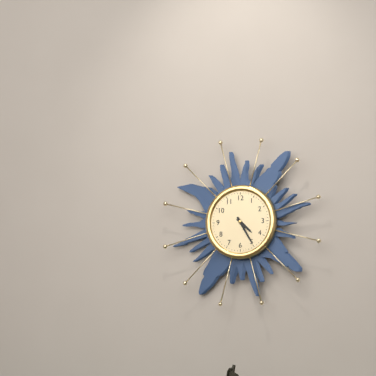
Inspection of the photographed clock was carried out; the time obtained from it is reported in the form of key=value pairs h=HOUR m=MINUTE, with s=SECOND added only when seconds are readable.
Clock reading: h=4 m=25
